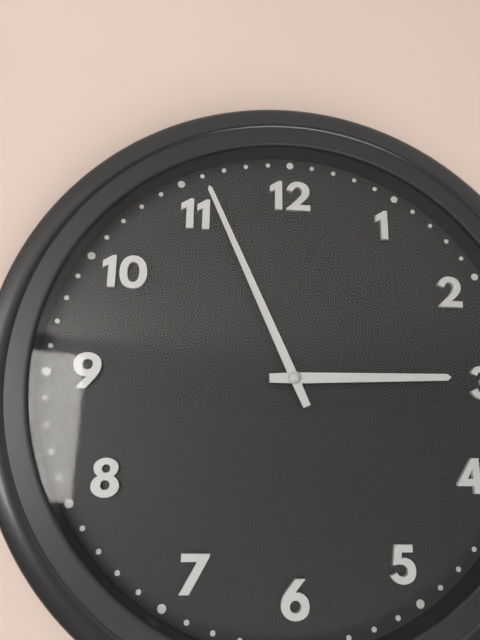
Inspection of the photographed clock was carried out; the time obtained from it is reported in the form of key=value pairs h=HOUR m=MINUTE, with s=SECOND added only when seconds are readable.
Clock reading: h=2 m=56
